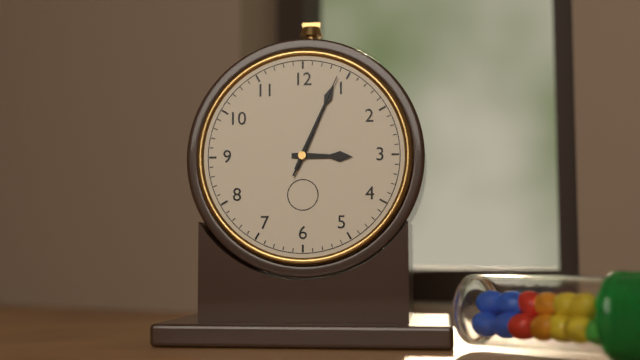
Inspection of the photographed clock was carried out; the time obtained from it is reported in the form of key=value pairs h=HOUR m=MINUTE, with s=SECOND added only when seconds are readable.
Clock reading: h=3 m=4 s=4
